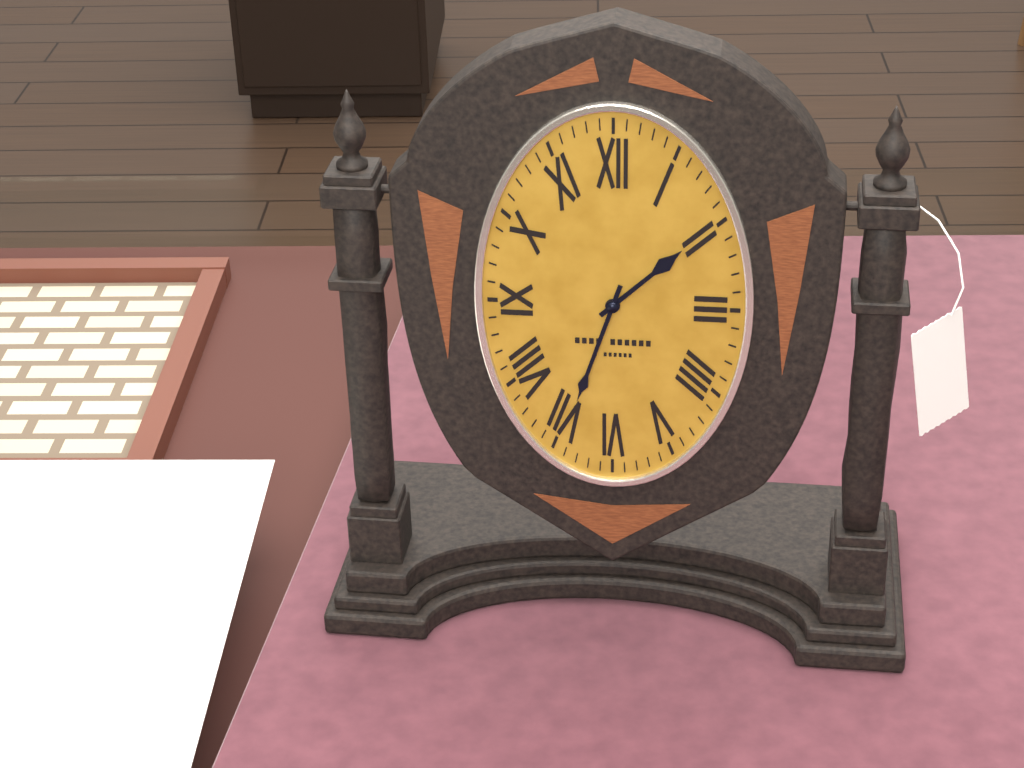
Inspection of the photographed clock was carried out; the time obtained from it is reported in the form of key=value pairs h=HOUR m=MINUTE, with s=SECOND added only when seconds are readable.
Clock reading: h=1 m=33
